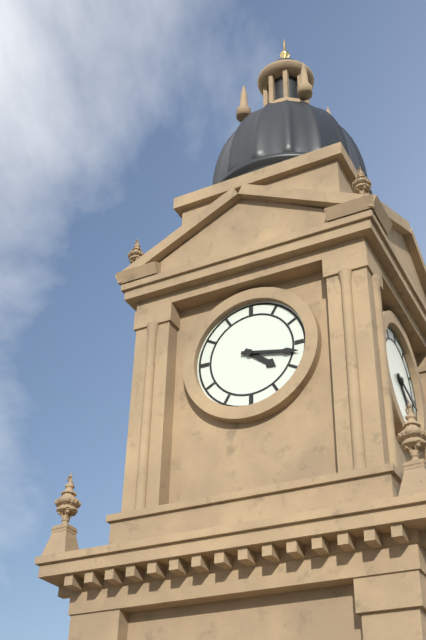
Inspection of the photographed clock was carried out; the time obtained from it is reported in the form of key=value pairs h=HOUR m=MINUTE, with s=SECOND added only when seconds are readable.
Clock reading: h=4 m=17
